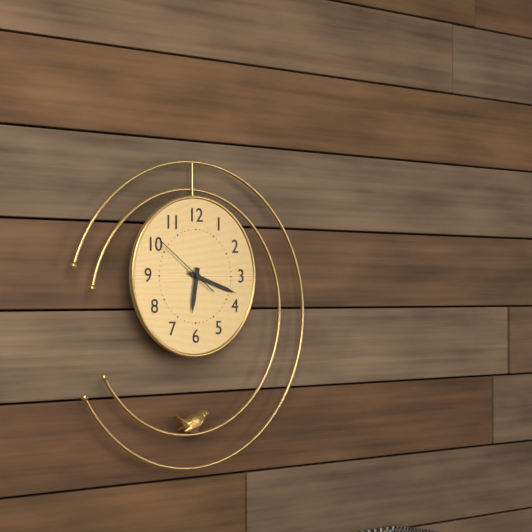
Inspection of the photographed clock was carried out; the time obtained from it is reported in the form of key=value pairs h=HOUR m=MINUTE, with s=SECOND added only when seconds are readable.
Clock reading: h=6 m=18 s=51
